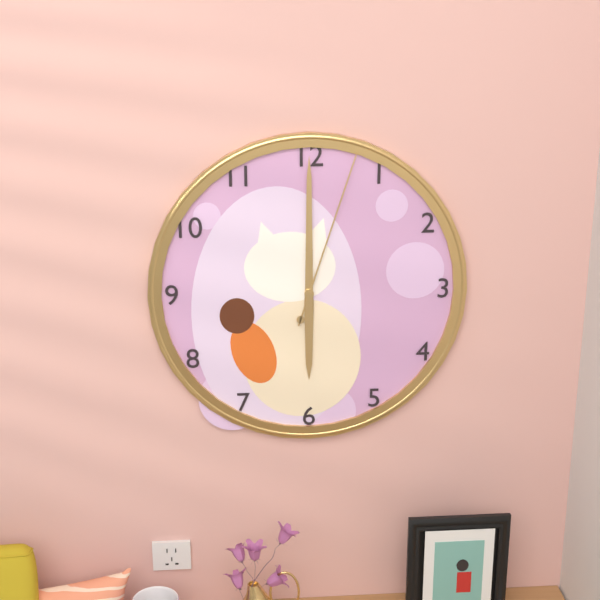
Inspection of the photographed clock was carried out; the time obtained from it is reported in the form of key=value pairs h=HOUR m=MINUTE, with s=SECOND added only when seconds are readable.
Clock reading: h=6 m=0 s=3
